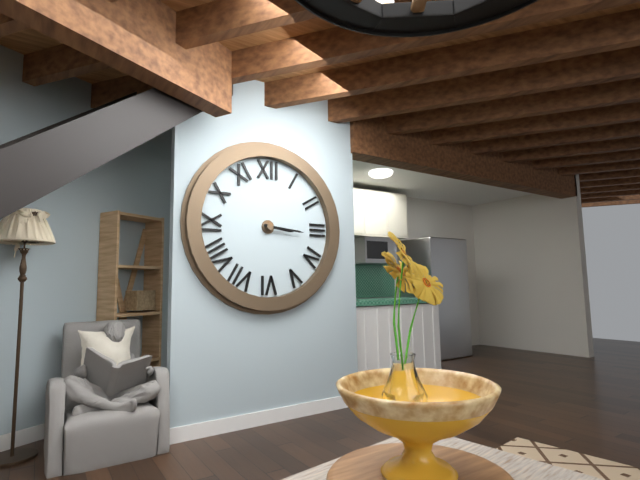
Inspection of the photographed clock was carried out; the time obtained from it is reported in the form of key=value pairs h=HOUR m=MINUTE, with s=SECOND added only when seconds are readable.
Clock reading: h=3 m=16
